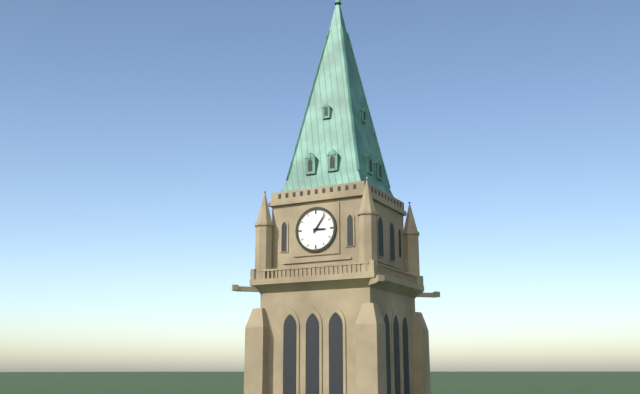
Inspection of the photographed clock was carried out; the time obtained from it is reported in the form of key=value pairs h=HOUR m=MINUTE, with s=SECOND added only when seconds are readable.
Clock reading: h=3 m=6
